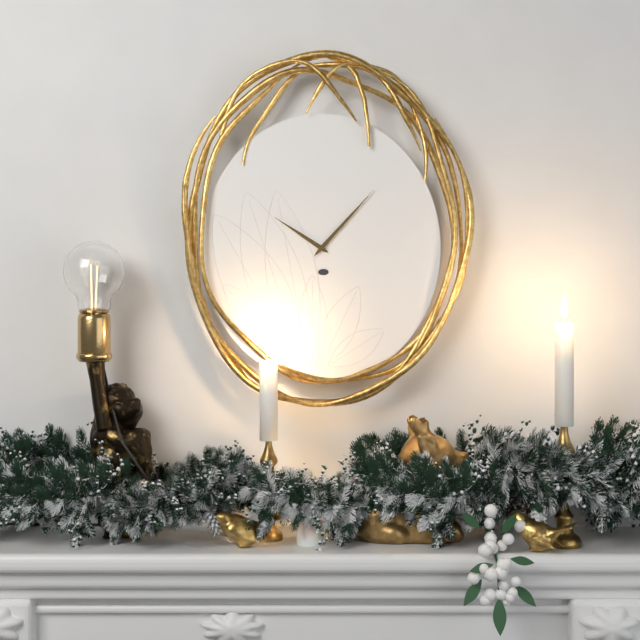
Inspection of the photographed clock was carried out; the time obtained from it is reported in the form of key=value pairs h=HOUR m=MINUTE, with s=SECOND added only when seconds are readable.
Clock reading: h=10 m=7
